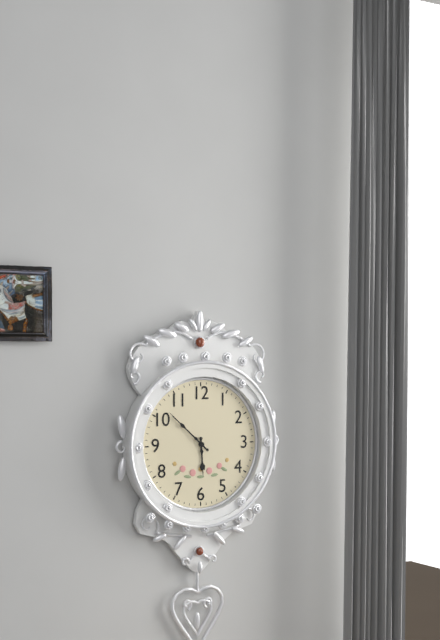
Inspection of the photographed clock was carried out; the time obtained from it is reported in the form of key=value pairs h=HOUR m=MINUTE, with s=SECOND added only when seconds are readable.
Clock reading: h=5 m=52
